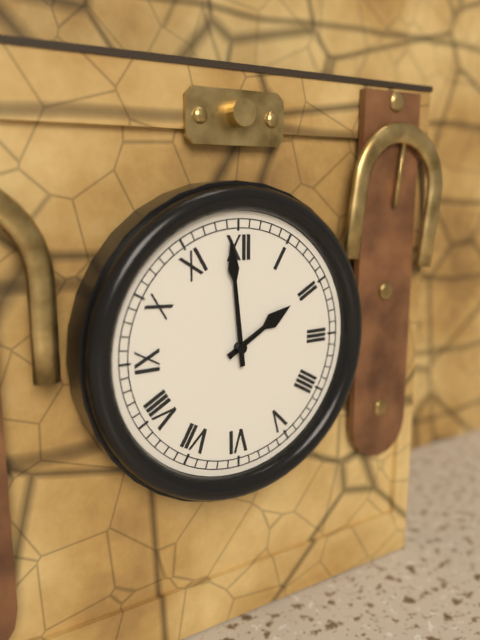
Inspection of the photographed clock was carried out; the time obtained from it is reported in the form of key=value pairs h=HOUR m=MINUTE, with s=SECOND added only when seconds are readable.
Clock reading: h=1 m=59
